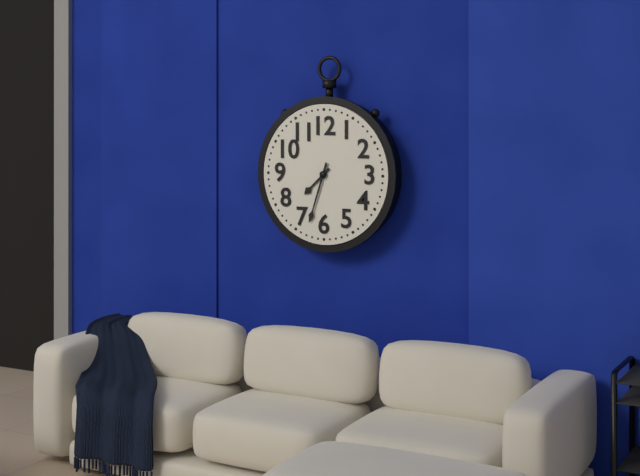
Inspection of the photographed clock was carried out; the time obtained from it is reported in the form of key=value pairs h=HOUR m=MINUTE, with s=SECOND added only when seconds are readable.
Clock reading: h=7 m=33
